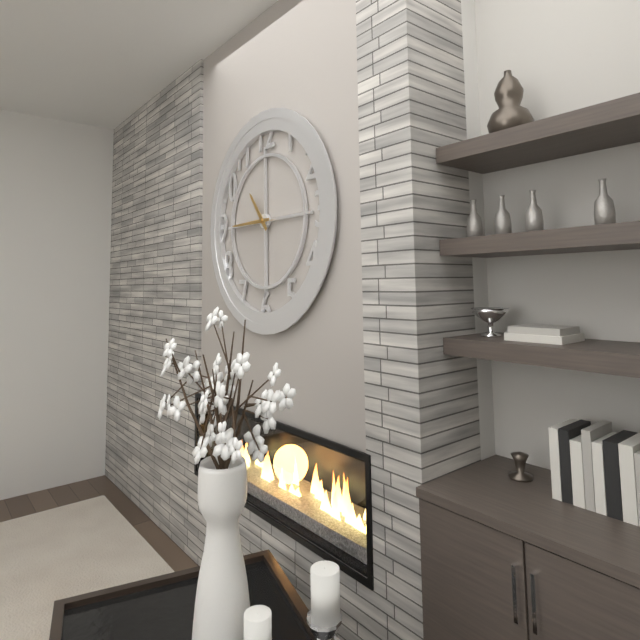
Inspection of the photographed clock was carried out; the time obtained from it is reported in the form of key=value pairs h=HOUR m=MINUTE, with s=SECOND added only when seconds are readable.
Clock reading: h=10 m=45
